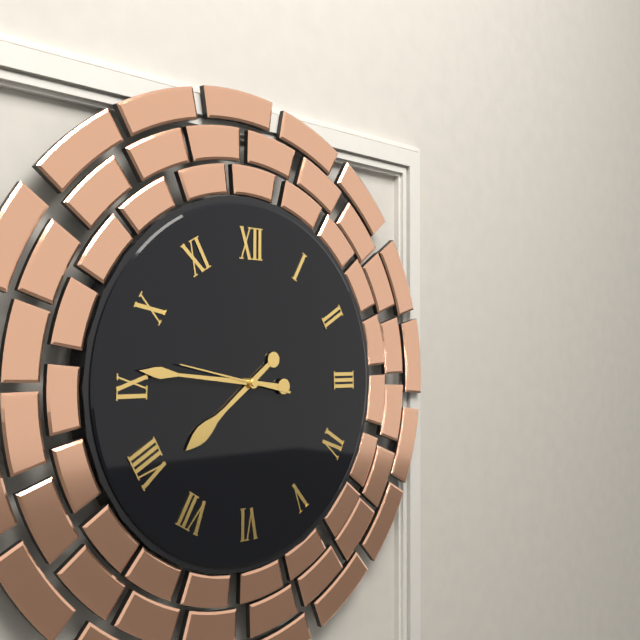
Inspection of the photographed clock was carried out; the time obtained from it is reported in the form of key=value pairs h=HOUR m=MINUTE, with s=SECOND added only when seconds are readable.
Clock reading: h=7 m=46 s=47
